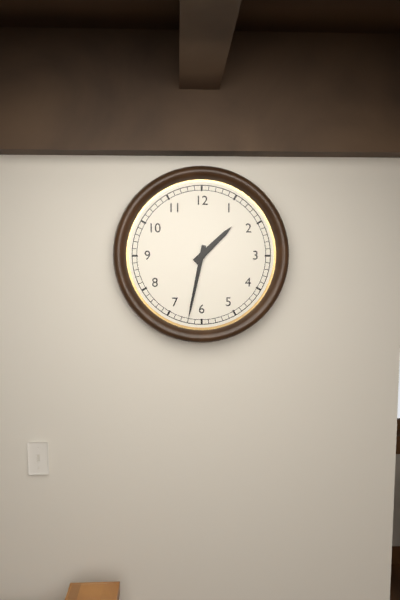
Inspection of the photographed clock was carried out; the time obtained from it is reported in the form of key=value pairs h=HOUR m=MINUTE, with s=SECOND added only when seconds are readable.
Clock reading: h=1 m=32
